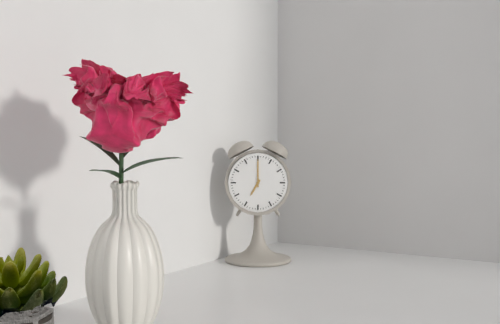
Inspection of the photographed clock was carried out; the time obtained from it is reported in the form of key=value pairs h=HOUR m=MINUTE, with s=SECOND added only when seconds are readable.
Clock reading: h=7 m=0
